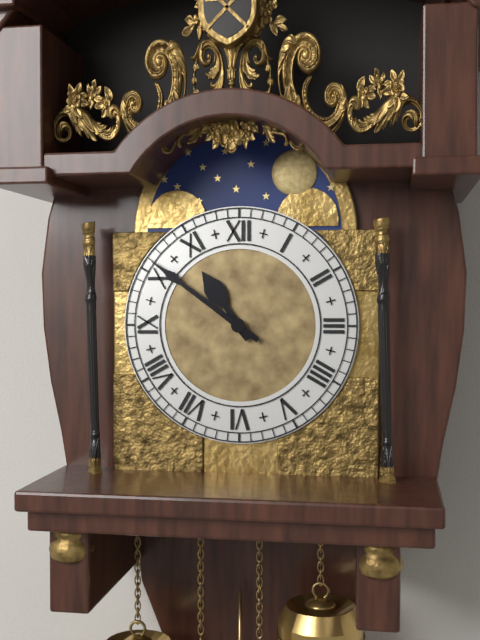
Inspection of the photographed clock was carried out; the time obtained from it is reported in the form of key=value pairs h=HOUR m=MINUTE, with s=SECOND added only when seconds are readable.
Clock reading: h=10 m=51
